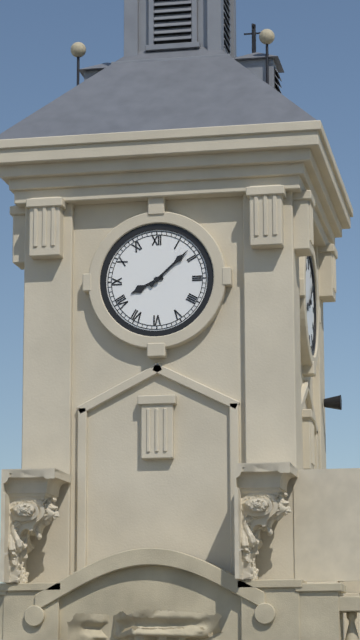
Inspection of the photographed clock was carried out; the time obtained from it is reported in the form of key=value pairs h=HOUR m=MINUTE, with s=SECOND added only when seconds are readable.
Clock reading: h=8 m=8
